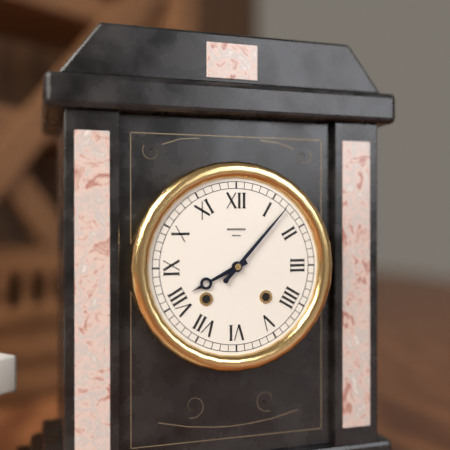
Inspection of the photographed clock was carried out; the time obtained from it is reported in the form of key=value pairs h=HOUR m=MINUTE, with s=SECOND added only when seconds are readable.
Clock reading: h=8 m=7
